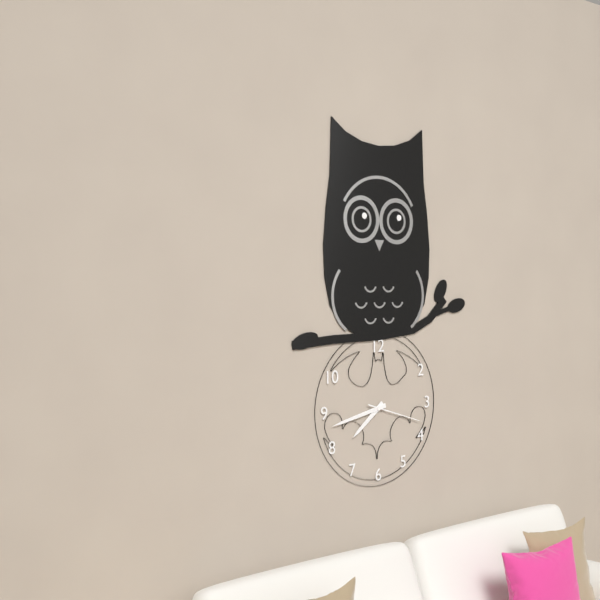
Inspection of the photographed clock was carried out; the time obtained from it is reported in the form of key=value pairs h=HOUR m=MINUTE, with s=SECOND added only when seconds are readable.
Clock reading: h=7 m=43 s=18
